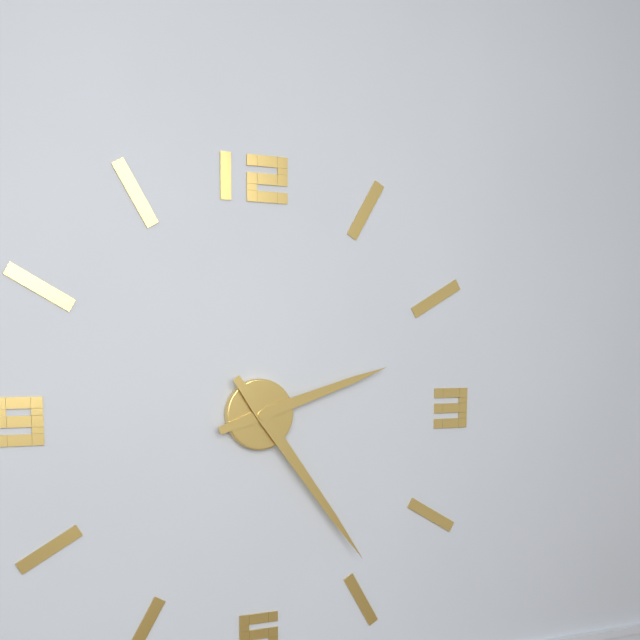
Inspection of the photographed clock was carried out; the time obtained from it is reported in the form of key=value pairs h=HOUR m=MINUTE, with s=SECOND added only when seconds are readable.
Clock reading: h=2 m=24
